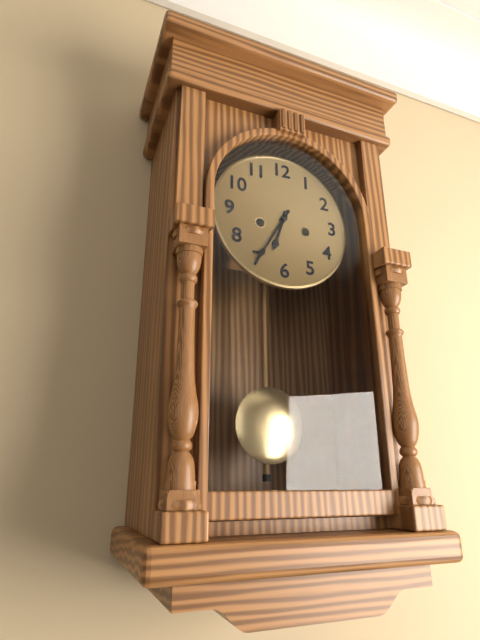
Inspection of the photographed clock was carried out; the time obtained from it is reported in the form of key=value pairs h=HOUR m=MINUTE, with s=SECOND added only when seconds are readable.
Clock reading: h=6 m=35
